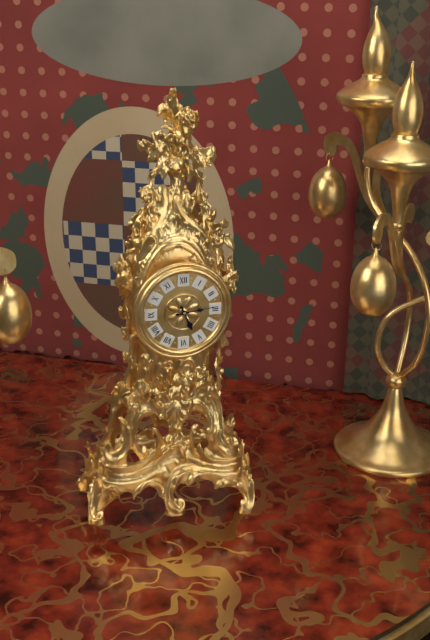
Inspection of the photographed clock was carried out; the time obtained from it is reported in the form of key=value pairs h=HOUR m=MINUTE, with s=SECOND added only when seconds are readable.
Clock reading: h=5 m=14
